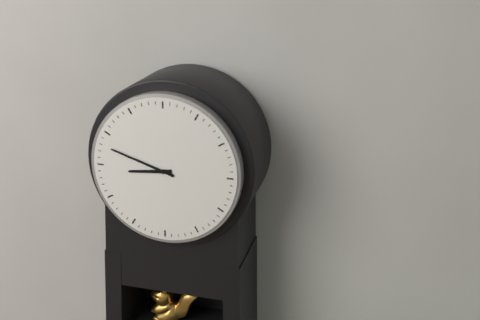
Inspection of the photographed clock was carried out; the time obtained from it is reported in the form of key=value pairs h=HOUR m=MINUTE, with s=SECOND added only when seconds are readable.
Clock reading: h=8 m=48
